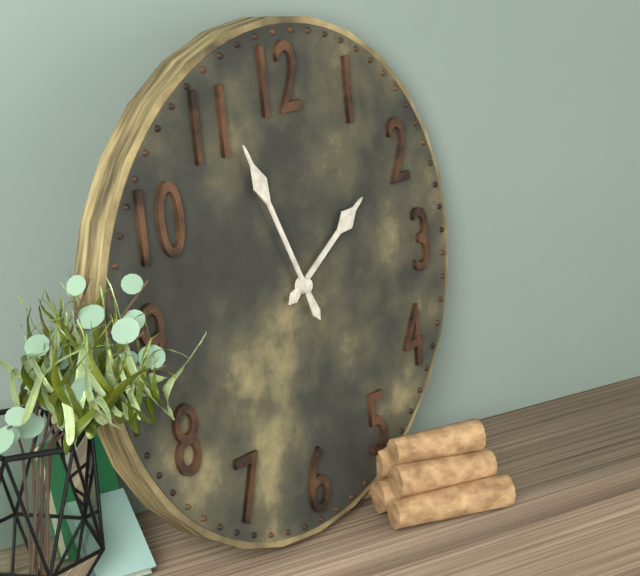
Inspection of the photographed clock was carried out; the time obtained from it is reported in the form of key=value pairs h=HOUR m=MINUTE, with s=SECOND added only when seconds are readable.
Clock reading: h=1 m=56
